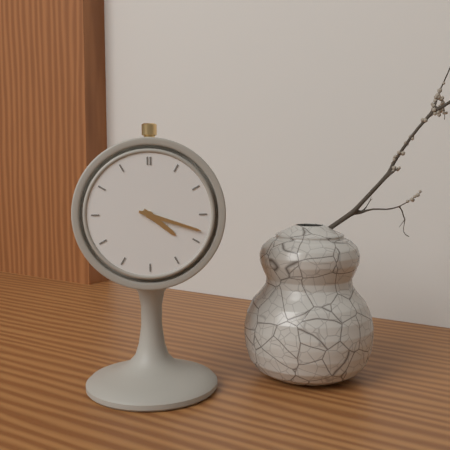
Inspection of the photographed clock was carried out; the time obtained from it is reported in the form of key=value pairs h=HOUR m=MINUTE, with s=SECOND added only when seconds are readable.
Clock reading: h=4 m=18
